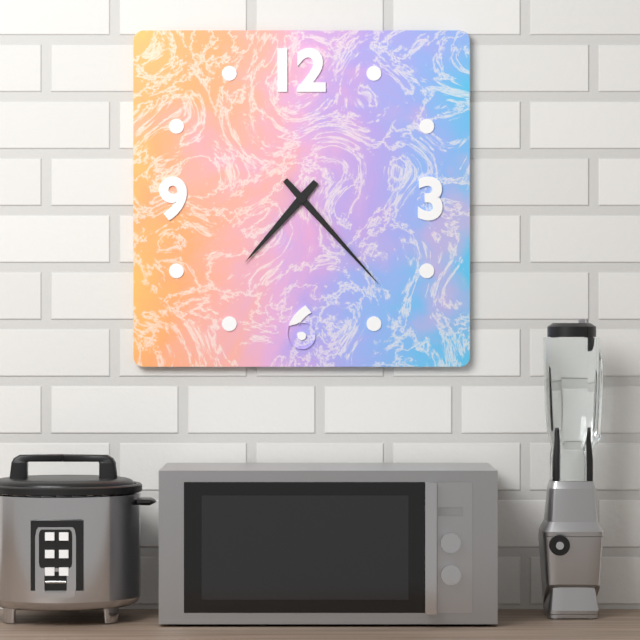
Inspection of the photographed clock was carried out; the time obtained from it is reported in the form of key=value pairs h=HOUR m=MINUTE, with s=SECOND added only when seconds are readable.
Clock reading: h=7 m=23
